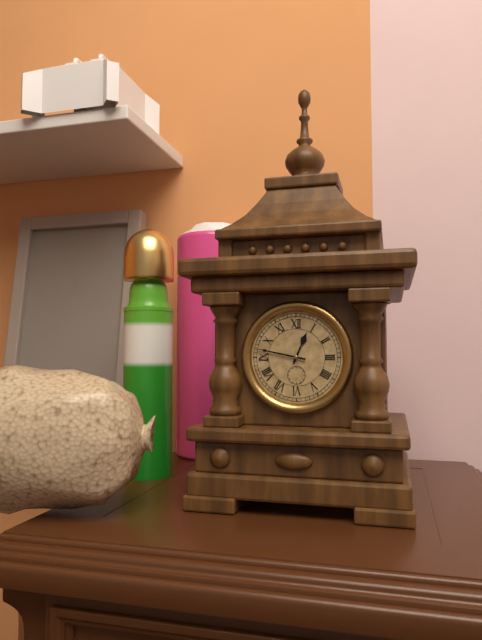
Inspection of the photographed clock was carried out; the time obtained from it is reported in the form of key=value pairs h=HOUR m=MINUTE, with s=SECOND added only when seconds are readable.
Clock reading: h=12 m=47
